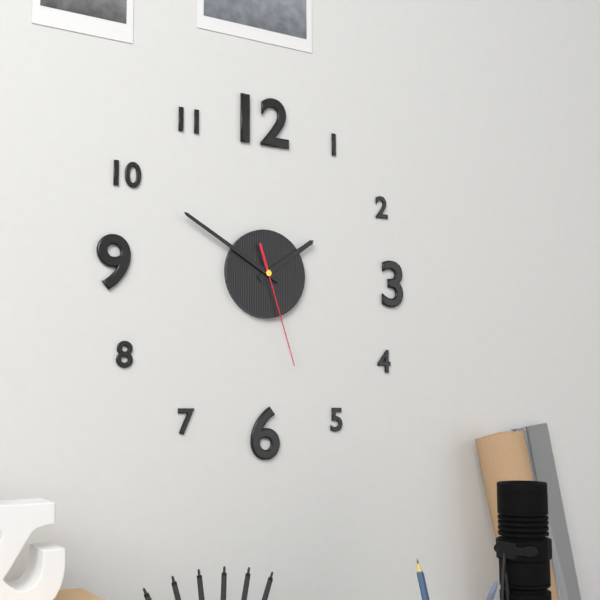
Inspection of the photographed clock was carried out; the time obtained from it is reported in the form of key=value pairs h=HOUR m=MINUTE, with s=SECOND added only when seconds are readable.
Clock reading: h=1 m=50 s=27
